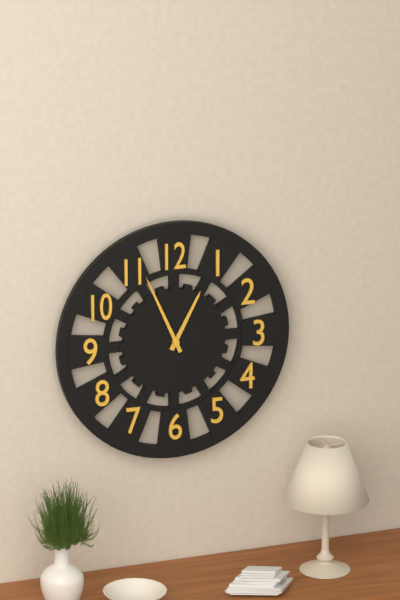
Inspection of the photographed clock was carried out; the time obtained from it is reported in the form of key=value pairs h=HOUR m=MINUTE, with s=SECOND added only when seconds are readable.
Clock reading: h=12 m=56
